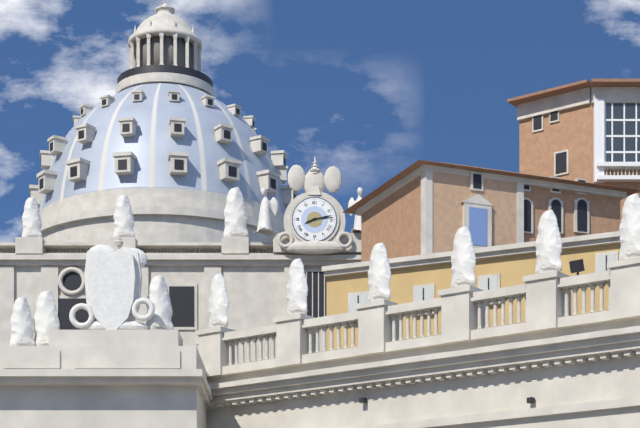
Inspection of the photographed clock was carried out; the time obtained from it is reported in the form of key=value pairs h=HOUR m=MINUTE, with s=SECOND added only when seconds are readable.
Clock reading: h=8 m=13
